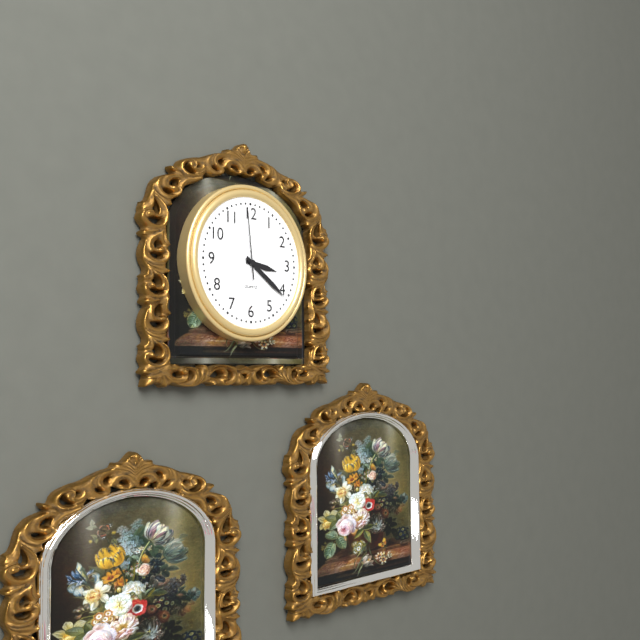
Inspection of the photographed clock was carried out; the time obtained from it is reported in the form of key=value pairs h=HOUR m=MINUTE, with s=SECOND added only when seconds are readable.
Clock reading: h=3 m=21 s=59
